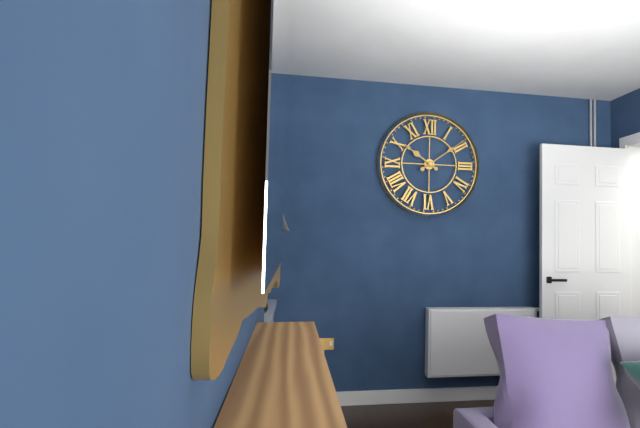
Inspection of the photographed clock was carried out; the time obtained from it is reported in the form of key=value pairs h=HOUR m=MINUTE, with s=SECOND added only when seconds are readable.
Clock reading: h=10 m=9
